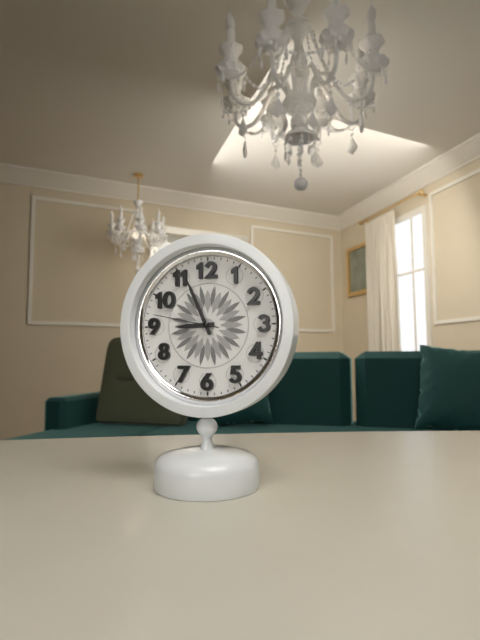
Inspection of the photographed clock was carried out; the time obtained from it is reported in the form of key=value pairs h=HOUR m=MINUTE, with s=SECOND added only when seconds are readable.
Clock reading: h=8 m=56 s=47
